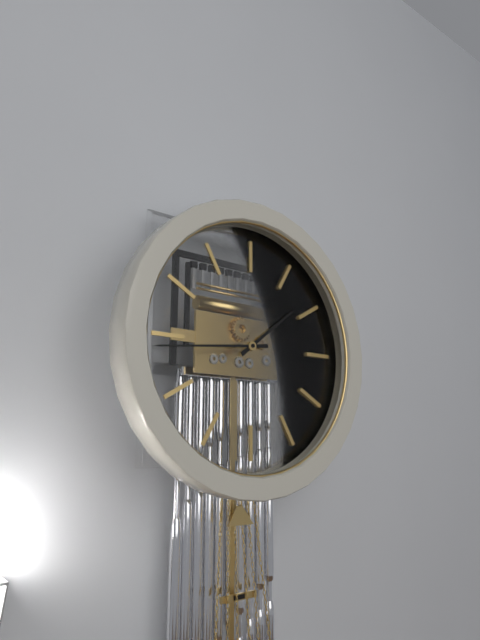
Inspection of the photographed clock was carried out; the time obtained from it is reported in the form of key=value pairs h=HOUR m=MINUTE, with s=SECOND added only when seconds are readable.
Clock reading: h=1 m=44
